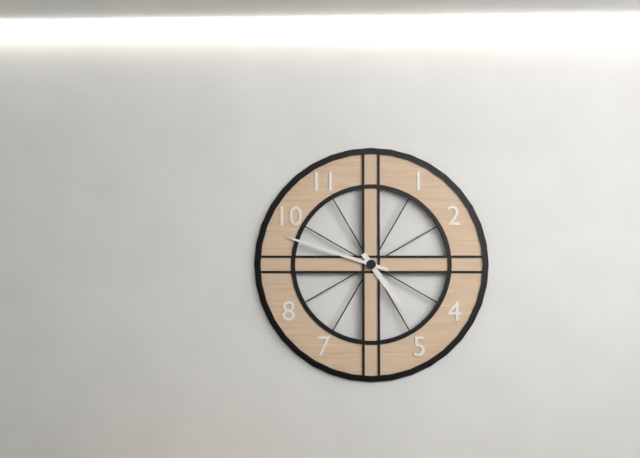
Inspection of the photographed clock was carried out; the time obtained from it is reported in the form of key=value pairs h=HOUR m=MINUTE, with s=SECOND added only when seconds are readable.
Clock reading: h=4 m=48
